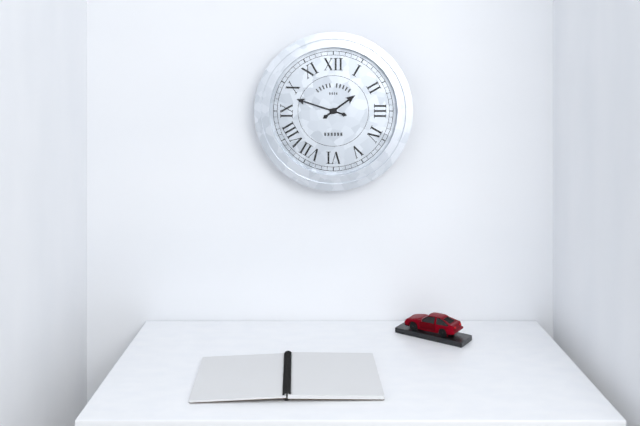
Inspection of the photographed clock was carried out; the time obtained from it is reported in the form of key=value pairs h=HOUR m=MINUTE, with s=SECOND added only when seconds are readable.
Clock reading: h=1 m=48
